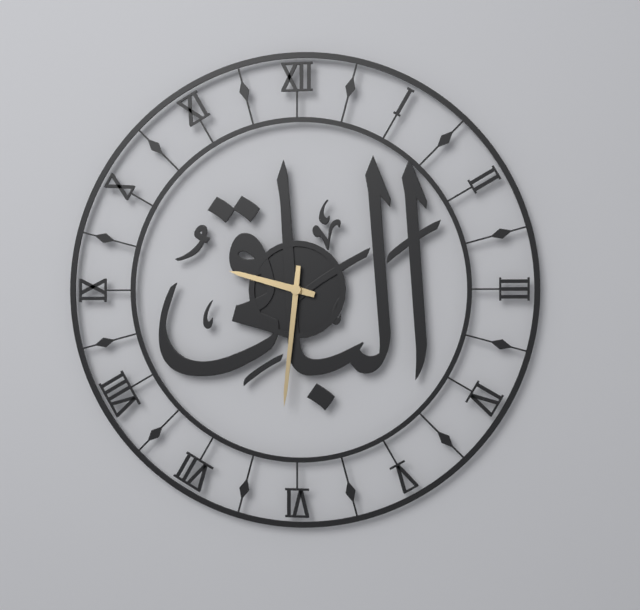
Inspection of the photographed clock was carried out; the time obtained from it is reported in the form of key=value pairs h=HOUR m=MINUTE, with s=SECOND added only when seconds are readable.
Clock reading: h=9 m=31
